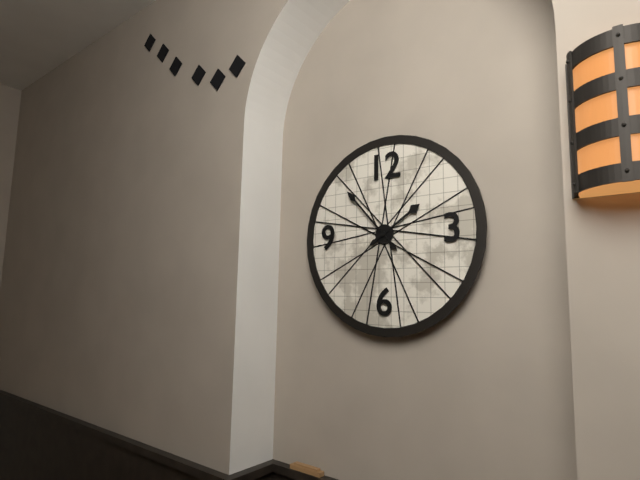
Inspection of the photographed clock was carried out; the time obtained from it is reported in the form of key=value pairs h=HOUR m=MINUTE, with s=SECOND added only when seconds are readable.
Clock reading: h=1 m=53
